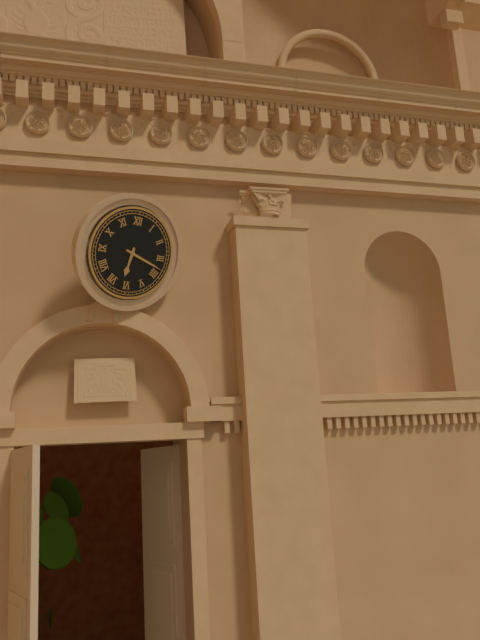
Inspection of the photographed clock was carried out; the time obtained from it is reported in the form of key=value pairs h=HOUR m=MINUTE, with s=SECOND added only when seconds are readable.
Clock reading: h=6 m=18
